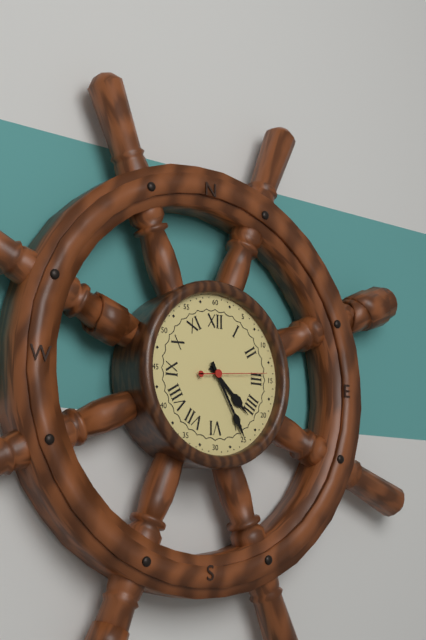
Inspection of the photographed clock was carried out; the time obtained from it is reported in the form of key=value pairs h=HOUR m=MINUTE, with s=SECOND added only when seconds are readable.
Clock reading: h=4 m=25 s=14
